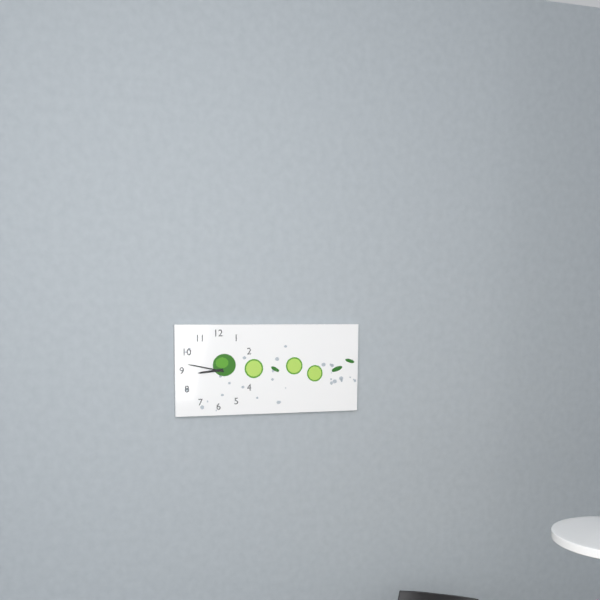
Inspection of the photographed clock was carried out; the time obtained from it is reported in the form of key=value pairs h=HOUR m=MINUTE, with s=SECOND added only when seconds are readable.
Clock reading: h=8 m=47
